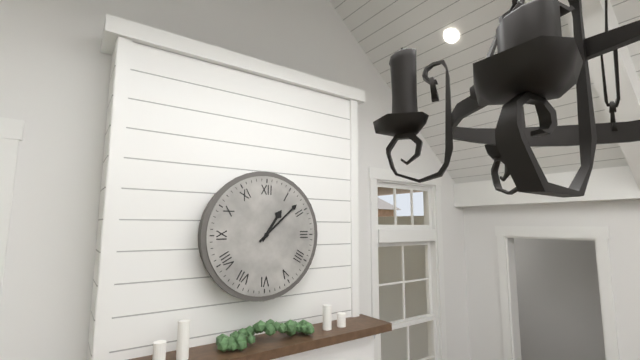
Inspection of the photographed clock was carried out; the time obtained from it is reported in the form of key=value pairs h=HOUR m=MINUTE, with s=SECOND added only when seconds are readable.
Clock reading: h=1 m=8
